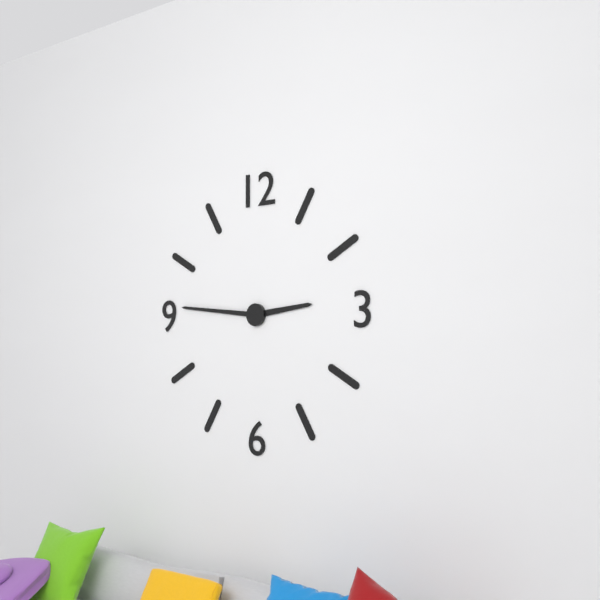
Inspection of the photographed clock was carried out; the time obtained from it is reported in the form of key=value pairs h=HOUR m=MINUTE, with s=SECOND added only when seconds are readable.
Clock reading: h=2 m=46
